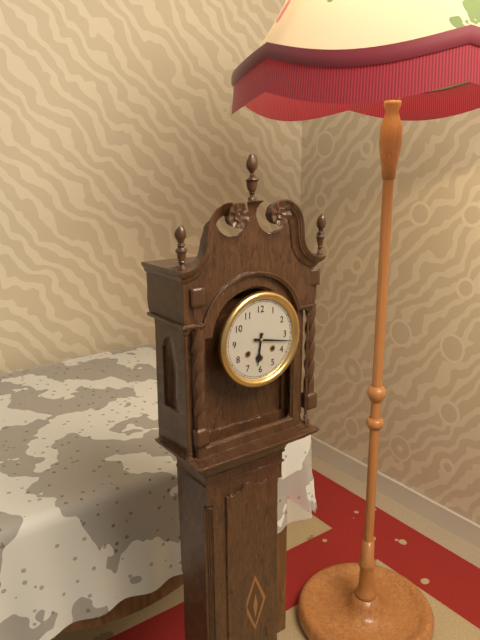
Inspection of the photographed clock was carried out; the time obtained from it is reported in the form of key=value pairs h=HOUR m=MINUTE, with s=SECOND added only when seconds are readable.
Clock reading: h=6 m=17
